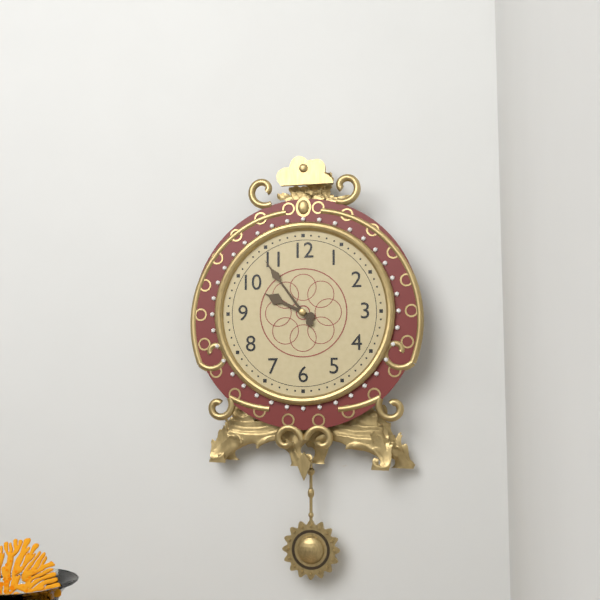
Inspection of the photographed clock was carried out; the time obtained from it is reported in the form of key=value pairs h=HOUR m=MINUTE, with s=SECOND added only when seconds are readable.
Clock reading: h=9 m=54
